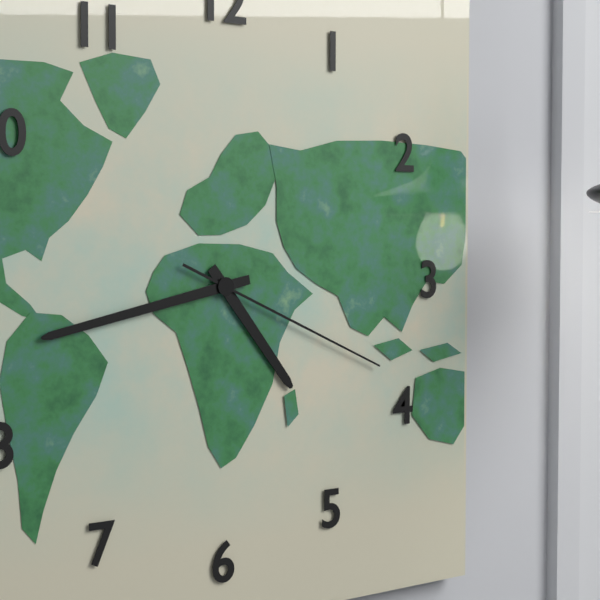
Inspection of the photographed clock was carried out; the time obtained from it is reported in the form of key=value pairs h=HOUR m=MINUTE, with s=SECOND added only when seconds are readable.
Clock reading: h=4 m=43 s=19
